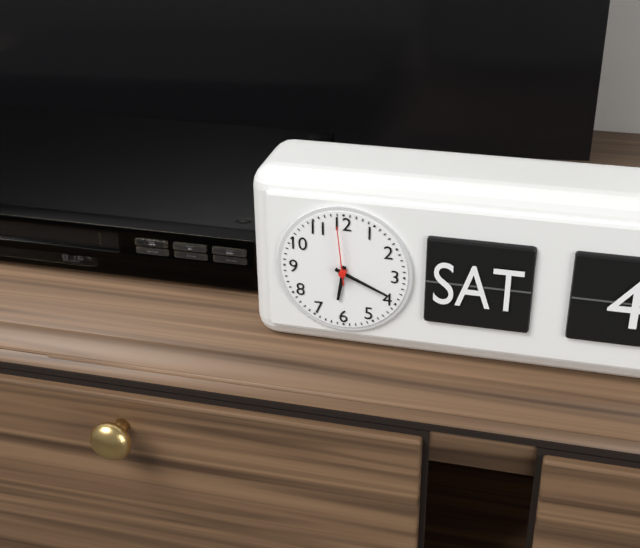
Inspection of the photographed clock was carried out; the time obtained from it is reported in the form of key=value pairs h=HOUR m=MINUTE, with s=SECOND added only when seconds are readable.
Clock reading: h=6 m=19 s=59
